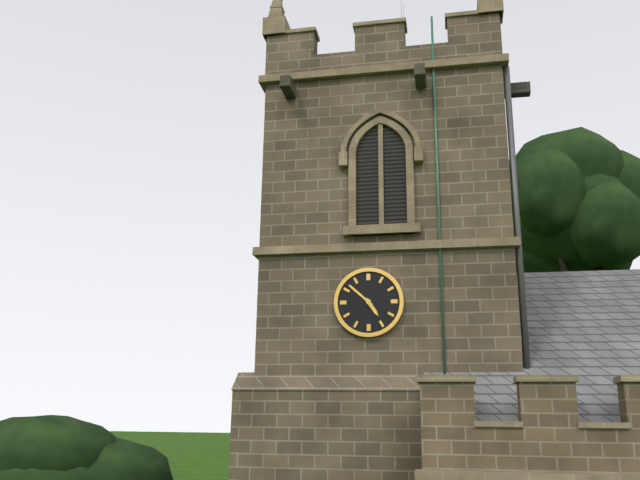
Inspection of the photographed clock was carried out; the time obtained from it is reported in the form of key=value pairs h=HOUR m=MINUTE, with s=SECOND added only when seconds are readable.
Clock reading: h=4 m=52
